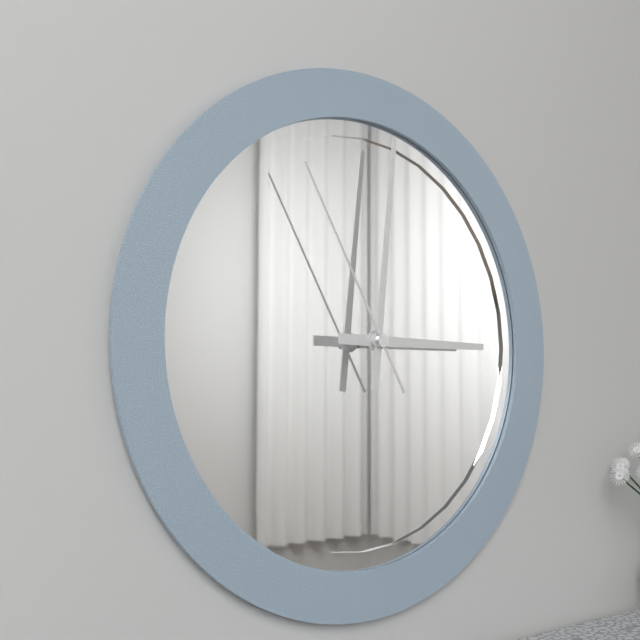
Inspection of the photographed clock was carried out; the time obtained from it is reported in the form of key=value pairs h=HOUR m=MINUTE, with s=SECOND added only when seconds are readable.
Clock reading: h=3 m=1 s=55
